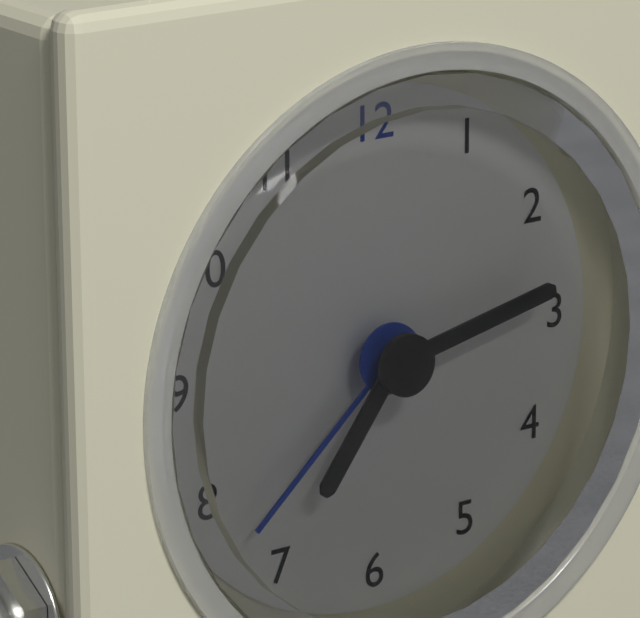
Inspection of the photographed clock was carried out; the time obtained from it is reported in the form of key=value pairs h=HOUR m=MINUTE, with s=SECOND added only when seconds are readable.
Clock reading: h=7 m=13 s=38
